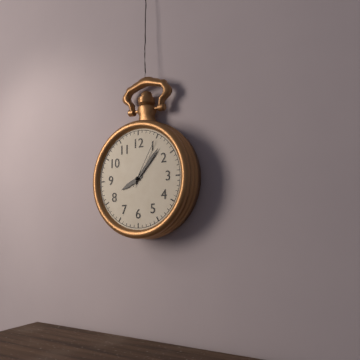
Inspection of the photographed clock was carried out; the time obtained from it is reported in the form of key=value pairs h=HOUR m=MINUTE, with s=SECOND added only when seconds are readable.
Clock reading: h=8 m=7 s=5
